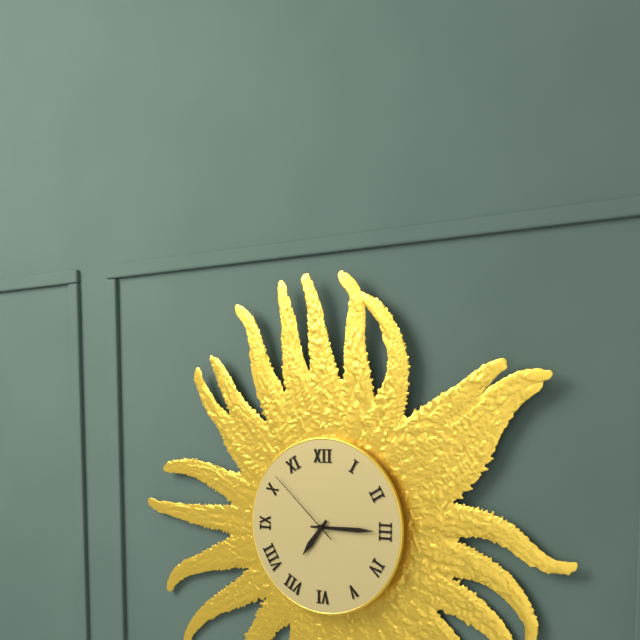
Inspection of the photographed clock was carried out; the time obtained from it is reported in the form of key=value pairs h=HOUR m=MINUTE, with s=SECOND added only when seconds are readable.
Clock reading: h=7 m=15 s=52
